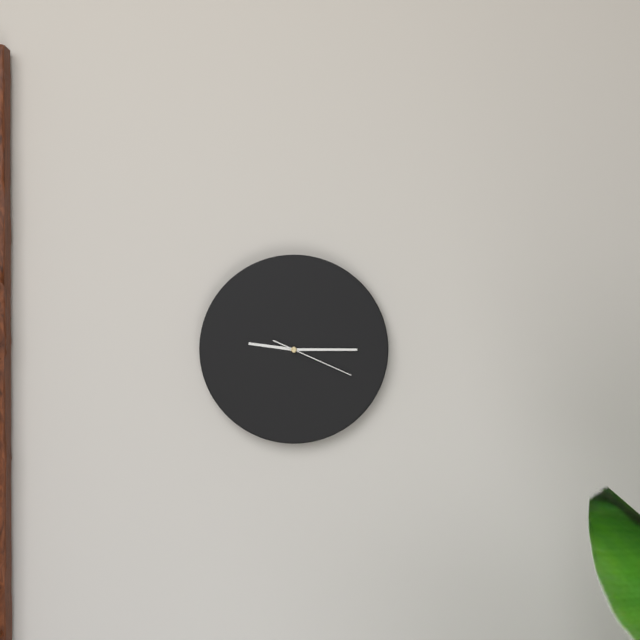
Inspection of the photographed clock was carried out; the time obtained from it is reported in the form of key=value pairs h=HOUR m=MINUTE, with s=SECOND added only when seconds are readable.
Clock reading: h=9 m=15 s=19
